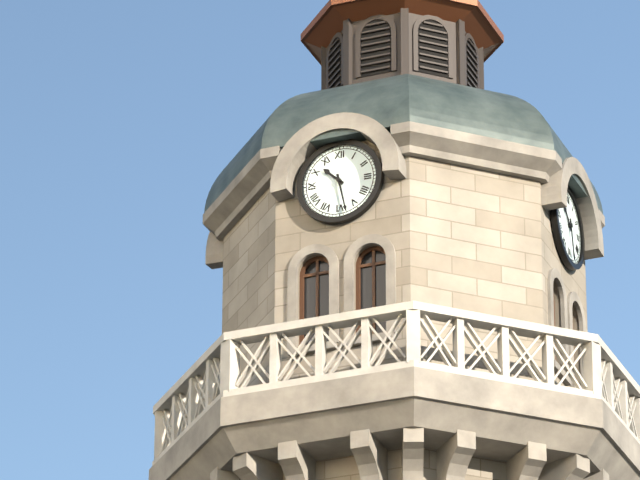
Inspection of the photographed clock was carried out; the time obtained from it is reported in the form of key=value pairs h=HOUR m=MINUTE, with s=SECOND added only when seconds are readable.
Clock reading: h=10 m=28
